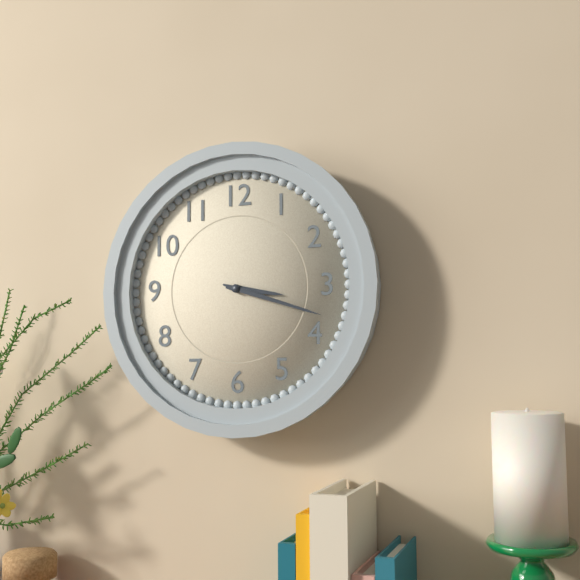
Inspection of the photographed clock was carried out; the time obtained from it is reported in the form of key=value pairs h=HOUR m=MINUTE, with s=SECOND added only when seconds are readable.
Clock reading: h=3 m=18
